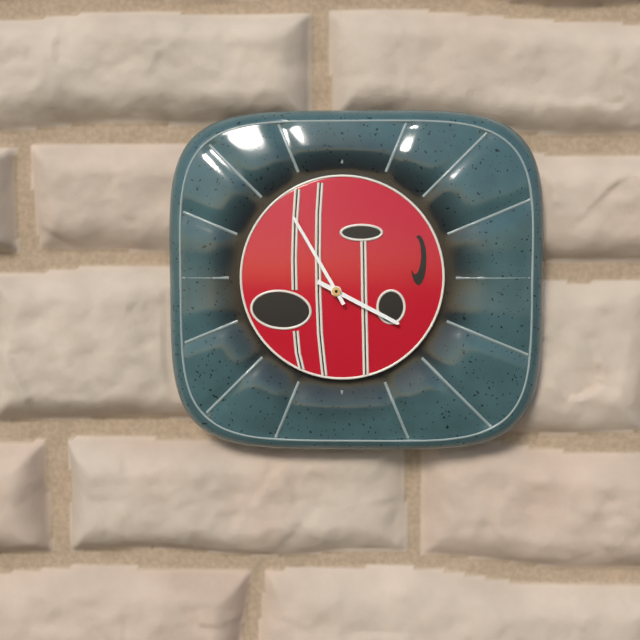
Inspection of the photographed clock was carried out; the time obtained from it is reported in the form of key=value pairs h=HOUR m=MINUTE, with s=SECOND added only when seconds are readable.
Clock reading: h=3 m=55
